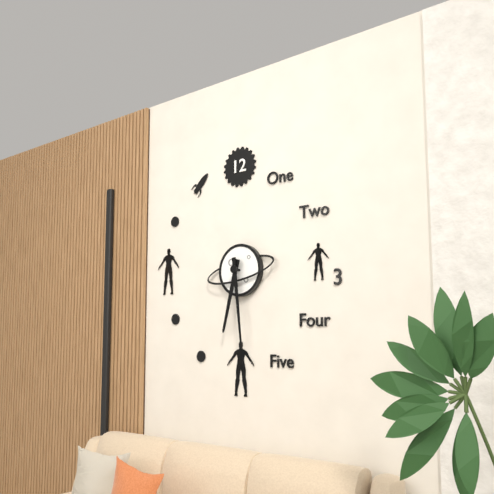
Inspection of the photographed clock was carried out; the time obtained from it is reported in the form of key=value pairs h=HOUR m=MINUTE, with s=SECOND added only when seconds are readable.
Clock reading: h=6 m=29
